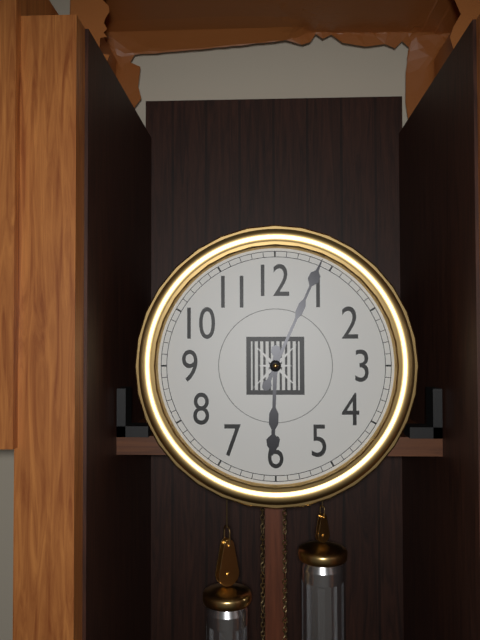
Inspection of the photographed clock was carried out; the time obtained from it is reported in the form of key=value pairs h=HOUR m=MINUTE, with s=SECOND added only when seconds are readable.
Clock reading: h=6 m=4
